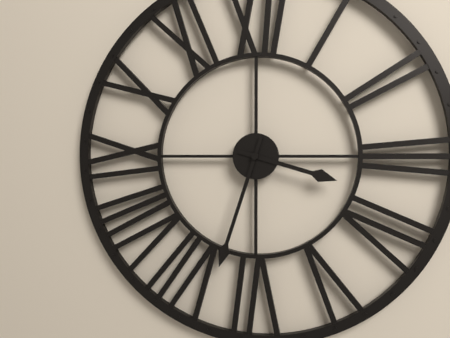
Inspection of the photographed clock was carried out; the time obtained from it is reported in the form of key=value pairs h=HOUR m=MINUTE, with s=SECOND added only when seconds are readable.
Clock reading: h=3 m=33
